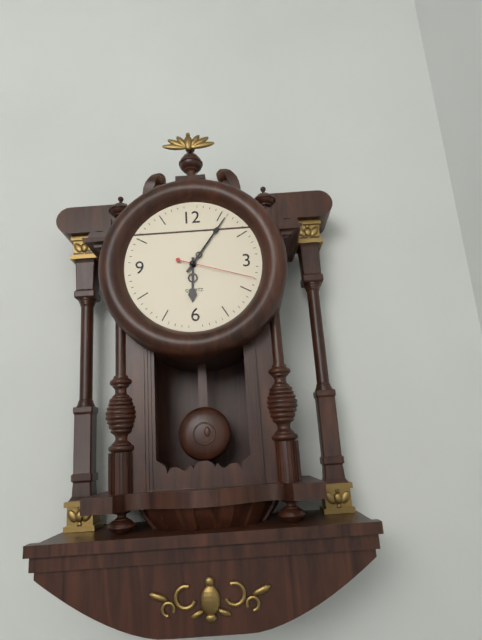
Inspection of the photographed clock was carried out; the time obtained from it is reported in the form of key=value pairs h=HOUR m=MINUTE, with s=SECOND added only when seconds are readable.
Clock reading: h=6 m=6 s=18
